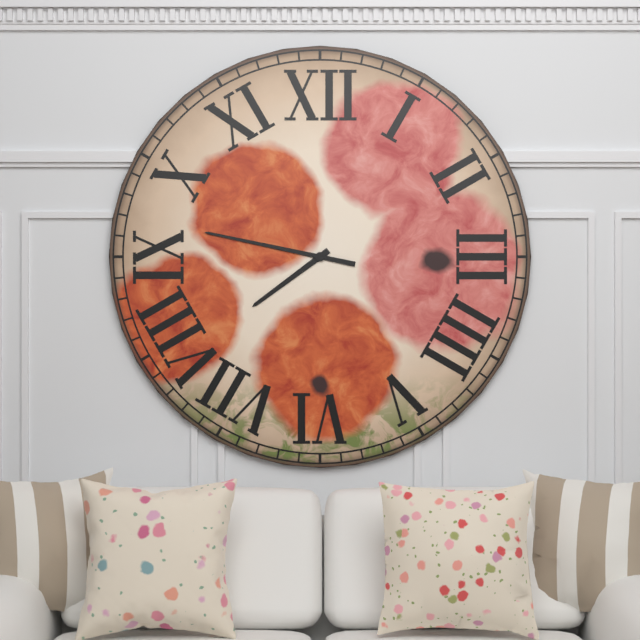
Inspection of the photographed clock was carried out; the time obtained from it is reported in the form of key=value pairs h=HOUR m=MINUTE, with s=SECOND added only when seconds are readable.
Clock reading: h=7 m=47
